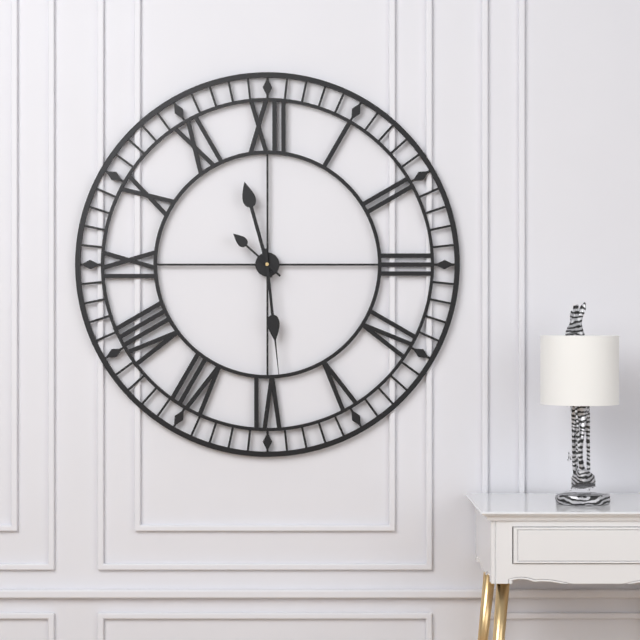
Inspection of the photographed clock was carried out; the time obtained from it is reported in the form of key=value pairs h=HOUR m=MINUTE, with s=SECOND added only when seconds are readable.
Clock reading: h=11 m=29 s=52
